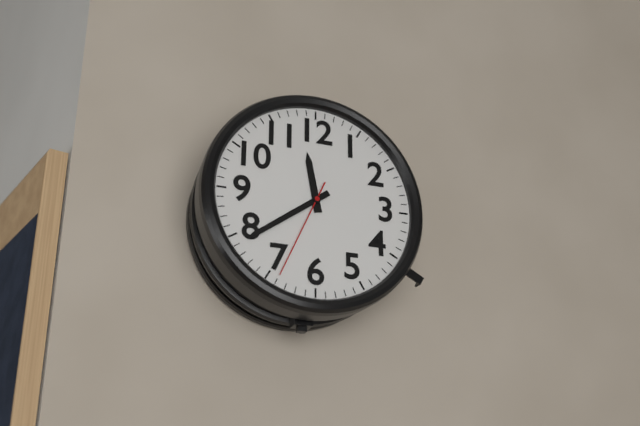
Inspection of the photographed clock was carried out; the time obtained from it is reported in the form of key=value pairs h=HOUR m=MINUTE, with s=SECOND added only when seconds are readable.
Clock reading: h=11 m=39 s=34
